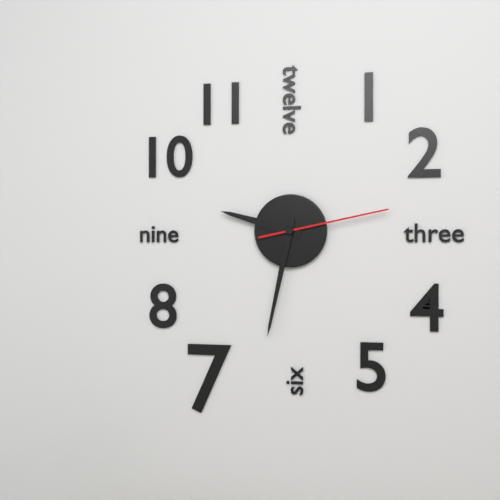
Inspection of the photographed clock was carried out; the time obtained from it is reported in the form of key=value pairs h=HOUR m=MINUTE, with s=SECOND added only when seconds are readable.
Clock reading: h=9 m=32 s=13
